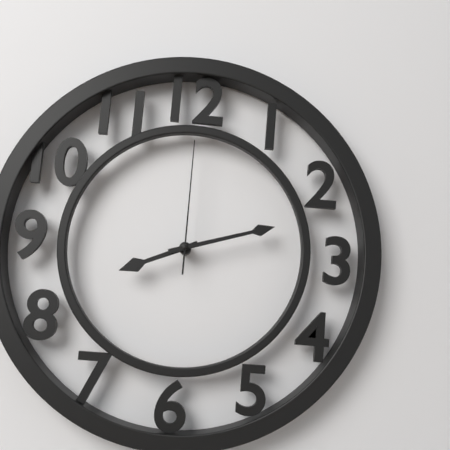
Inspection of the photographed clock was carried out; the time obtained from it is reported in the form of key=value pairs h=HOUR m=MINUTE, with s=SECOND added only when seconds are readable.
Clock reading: h=8 m=12 s=0
